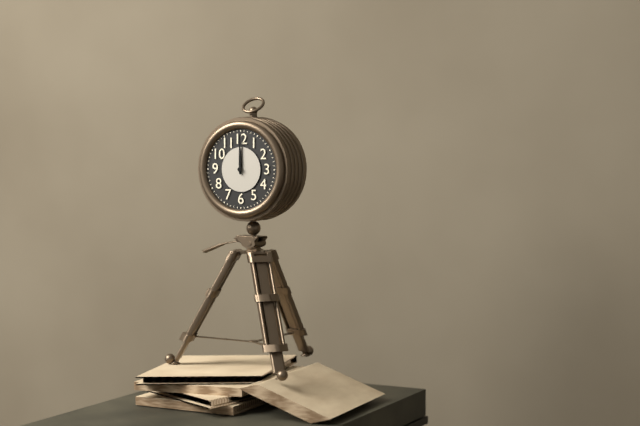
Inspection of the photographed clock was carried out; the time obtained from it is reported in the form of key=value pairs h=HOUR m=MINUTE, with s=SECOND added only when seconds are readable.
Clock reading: h=12 m=0
